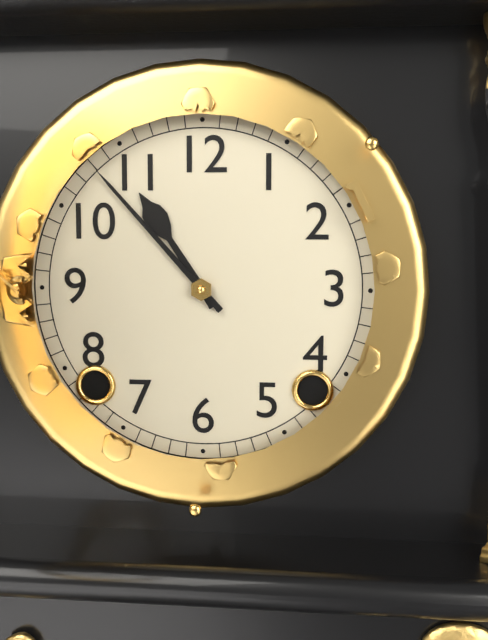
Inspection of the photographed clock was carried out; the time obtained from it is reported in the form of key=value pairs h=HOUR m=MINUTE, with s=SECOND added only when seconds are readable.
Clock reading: h=10 m=53
